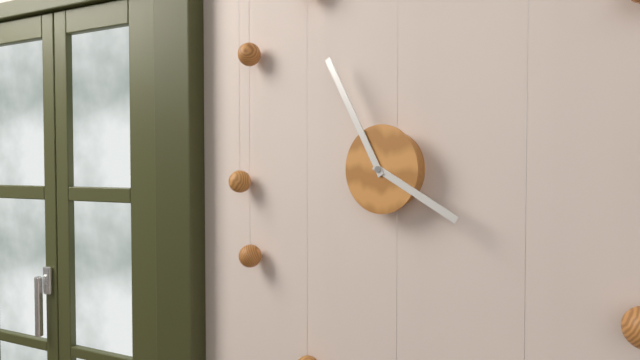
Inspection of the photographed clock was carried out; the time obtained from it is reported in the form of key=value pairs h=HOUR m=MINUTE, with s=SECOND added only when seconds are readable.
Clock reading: h=3 m=55
